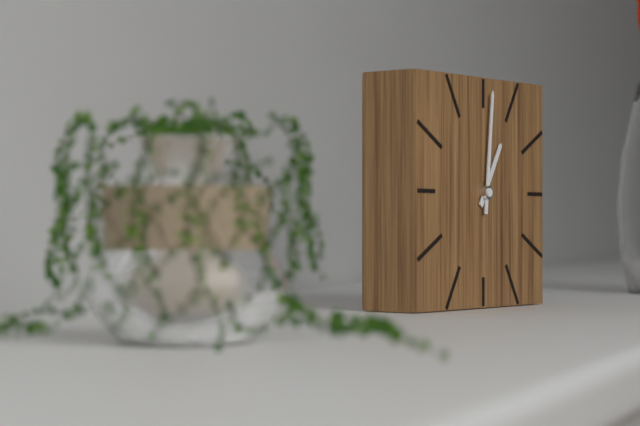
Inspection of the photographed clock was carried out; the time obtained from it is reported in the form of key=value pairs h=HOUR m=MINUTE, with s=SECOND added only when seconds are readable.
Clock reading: h=1 m=1
